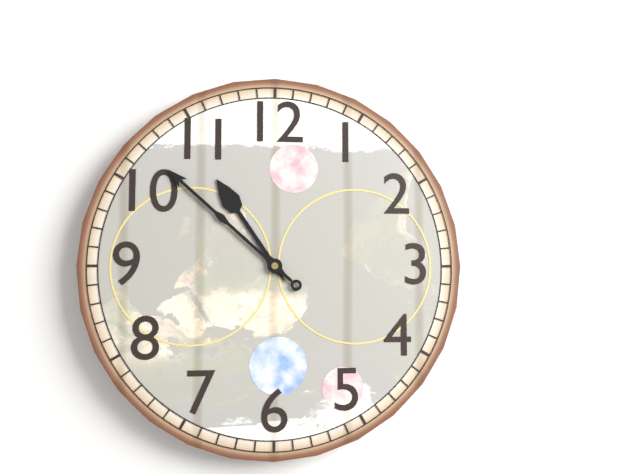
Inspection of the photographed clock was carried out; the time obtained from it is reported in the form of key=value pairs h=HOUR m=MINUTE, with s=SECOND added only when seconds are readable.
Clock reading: h=10 m=52
